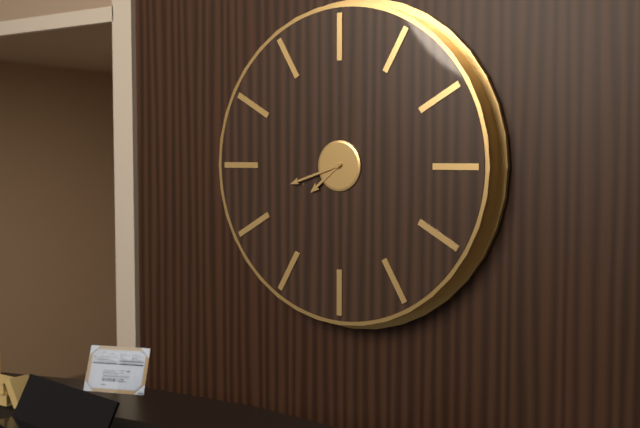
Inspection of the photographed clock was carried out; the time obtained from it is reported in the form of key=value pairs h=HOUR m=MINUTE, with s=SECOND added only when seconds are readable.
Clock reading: h=7 m=42
